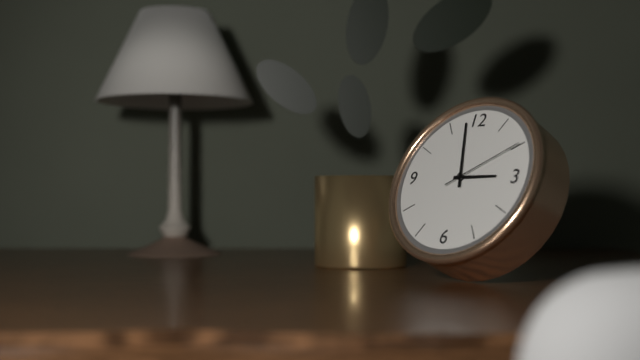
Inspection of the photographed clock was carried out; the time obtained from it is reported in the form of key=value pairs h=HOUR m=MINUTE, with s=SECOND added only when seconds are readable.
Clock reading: h=2 m=58 s=10
